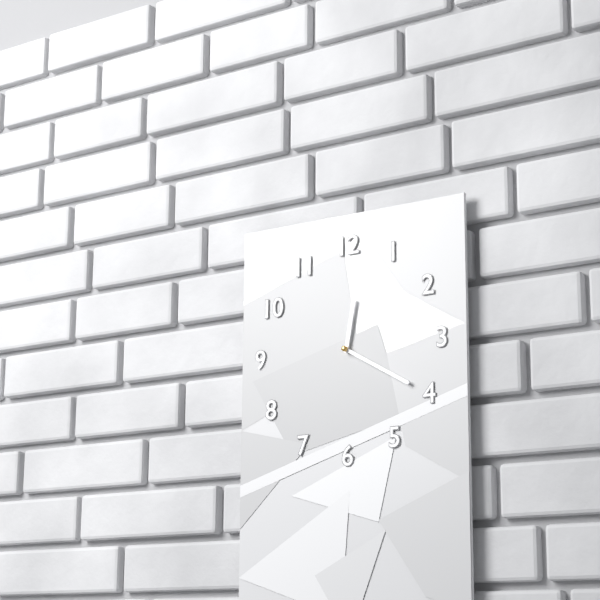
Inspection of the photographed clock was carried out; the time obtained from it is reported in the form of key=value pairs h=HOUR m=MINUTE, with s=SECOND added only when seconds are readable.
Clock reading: h=12 m=20
